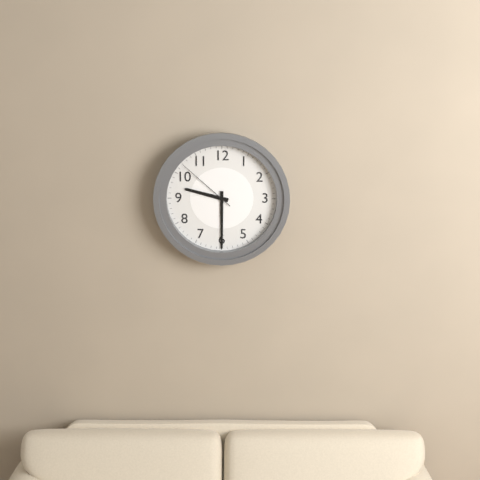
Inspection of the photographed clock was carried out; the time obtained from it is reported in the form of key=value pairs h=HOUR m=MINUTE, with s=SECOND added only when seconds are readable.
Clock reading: h=9 m=30 s=52
